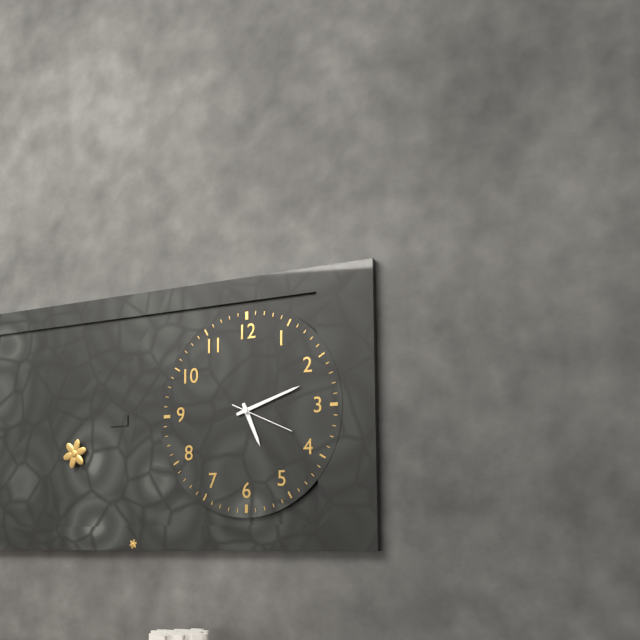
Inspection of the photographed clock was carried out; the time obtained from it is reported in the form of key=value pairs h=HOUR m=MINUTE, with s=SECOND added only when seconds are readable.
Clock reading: h=5 m=12 s=19
